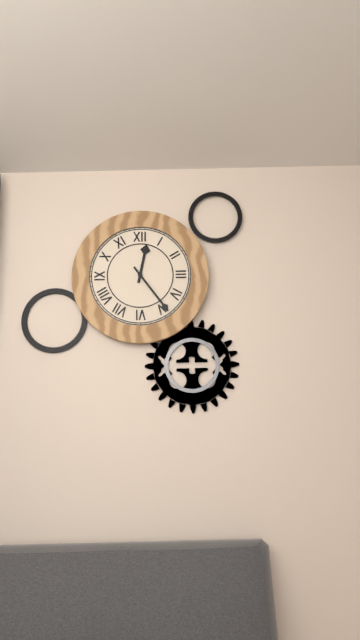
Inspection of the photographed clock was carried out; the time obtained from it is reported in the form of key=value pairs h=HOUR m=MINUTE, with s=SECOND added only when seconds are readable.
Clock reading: h=12 m=24
